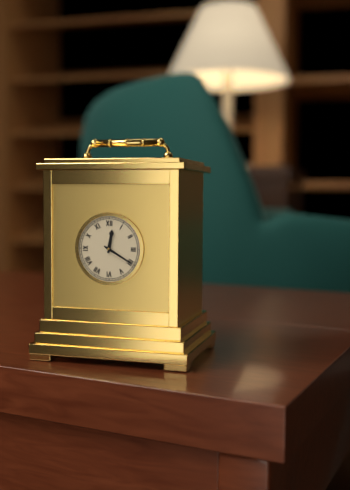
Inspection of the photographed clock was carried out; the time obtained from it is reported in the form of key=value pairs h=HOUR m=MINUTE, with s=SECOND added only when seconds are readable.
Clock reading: h=12 m=20
